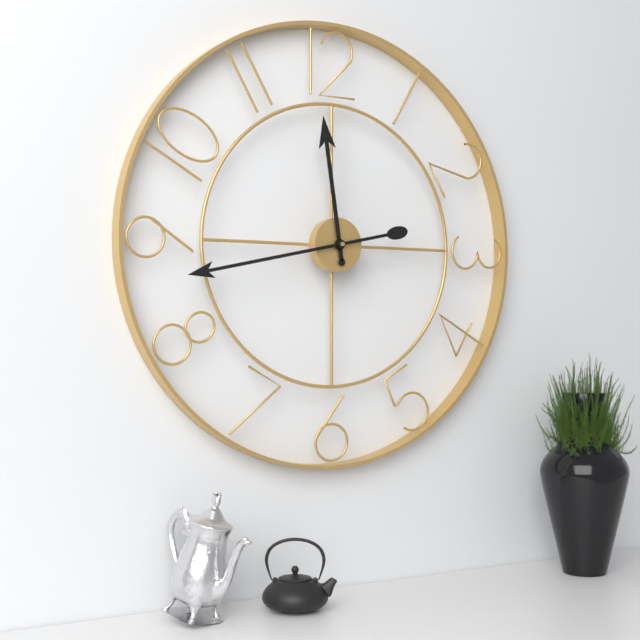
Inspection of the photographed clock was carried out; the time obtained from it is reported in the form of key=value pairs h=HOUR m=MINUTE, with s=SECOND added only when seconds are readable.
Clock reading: h=11 m=43
